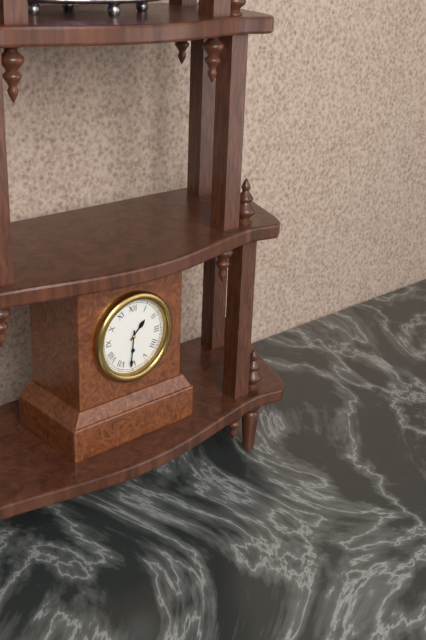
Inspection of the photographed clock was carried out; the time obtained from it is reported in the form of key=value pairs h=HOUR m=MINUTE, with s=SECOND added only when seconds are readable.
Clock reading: h=1 m=31
